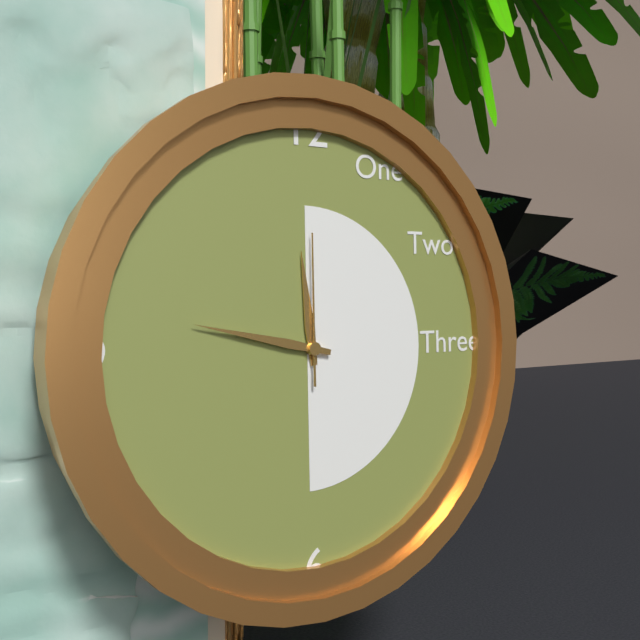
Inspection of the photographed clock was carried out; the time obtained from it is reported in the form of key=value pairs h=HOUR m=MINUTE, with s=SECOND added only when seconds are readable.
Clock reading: h=11 m=47 s=0
